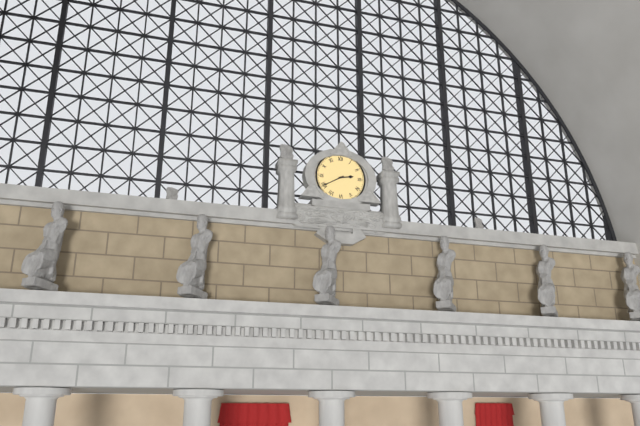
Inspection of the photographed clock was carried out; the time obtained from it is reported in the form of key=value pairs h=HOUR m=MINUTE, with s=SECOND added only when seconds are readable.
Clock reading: h=2 m=40
